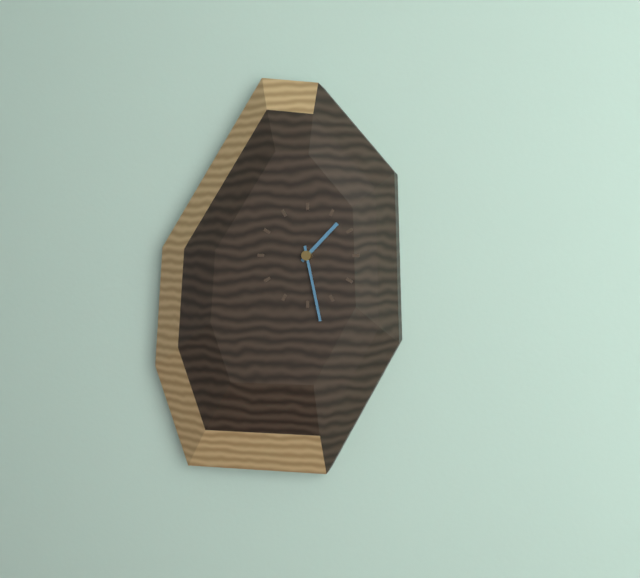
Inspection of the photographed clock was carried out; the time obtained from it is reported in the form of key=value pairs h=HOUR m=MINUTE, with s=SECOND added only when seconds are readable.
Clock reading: h=1 m=28
